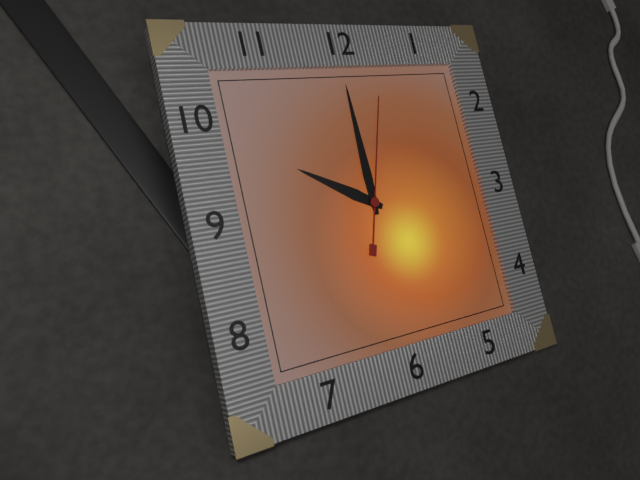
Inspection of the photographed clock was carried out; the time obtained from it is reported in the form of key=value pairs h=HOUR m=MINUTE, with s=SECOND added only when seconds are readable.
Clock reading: h=10 m=0 s=3
